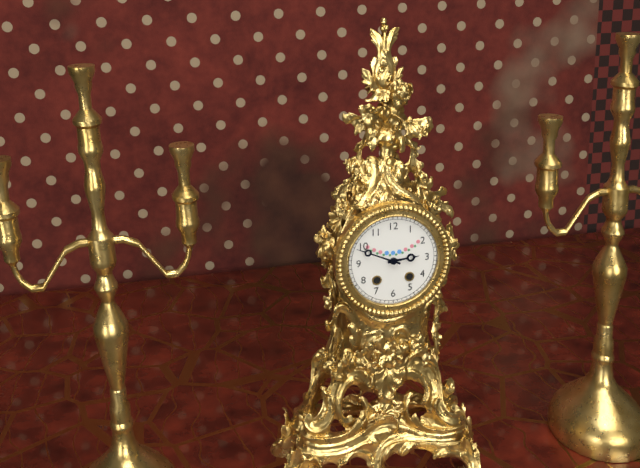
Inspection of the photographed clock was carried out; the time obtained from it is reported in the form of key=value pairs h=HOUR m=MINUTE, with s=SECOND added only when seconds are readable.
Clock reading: h=2 m=49
